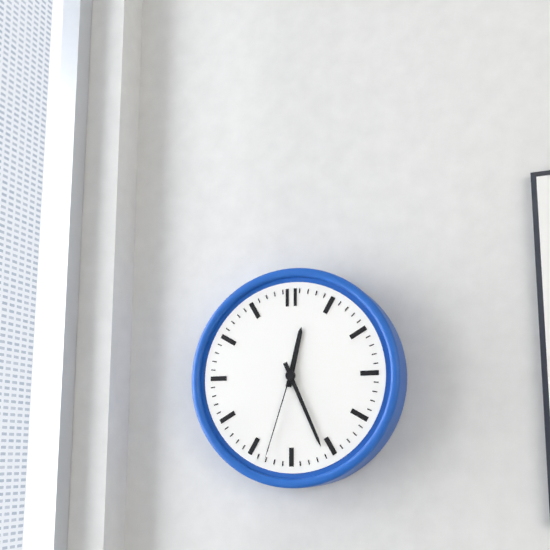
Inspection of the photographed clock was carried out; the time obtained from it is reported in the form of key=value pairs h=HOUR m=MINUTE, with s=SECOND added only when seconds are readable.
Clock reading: h=12 m=26 s=33
